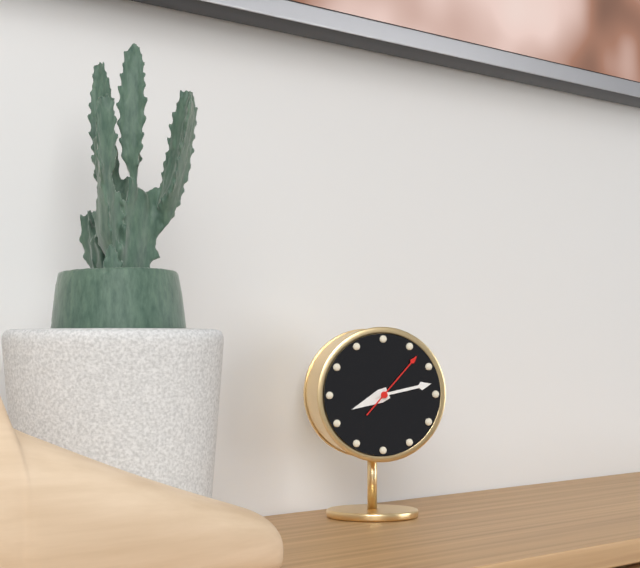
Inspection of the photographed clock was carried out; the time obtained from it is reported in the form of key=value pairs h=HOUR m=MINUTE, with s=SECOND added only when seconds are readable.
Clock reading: h=8 m=13 s=7
